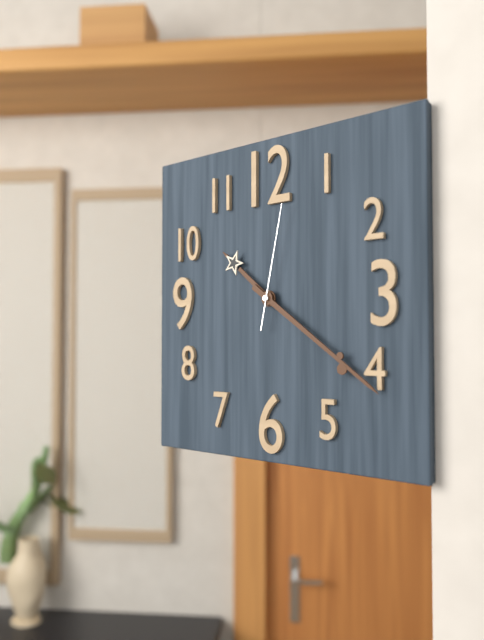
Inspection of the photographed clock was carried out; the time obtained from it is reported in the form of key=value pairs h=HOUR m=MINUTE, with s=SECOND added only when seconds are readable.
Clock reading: h=10 m=21 s=2
